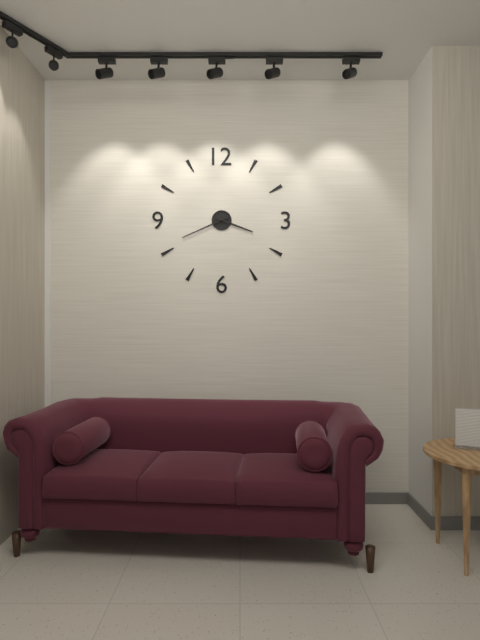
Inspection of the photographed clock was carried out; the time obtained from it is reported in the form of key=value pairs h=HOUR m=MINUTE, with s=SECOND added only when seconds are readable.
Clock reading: h=3 m=41
